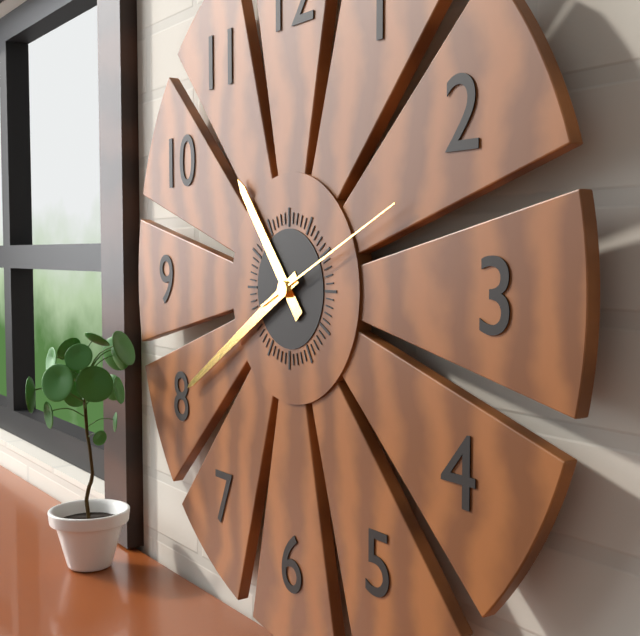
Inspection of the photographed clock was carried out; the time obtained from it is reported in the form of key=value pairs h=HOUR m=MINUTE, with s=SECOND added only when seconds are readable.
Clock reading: h=10 m=40 s=11
